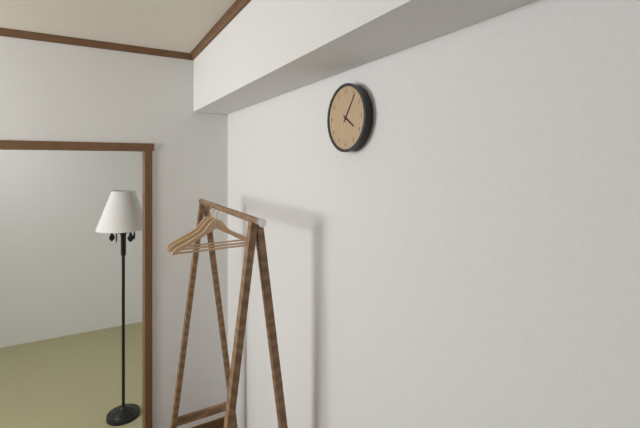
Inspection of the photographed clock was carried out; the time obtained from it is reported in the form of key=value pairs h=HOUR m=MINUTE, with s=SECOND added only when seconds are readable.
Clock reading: h=4 m=6
